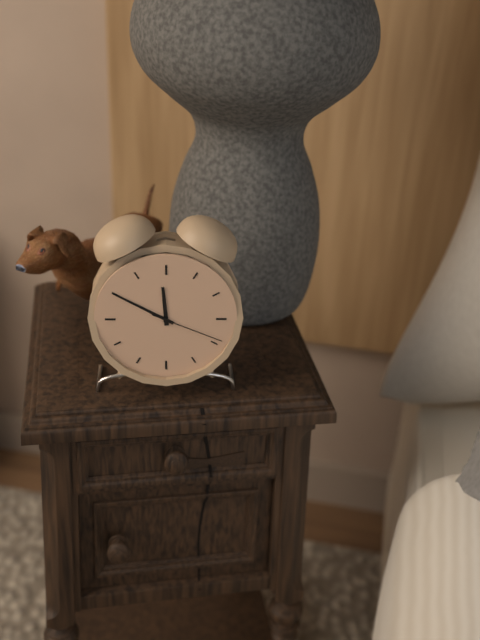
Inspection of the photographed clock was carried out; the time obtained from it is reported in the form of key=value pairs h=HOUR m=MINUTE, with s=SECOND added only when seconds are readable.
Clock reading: h=11 m=50 s=19
